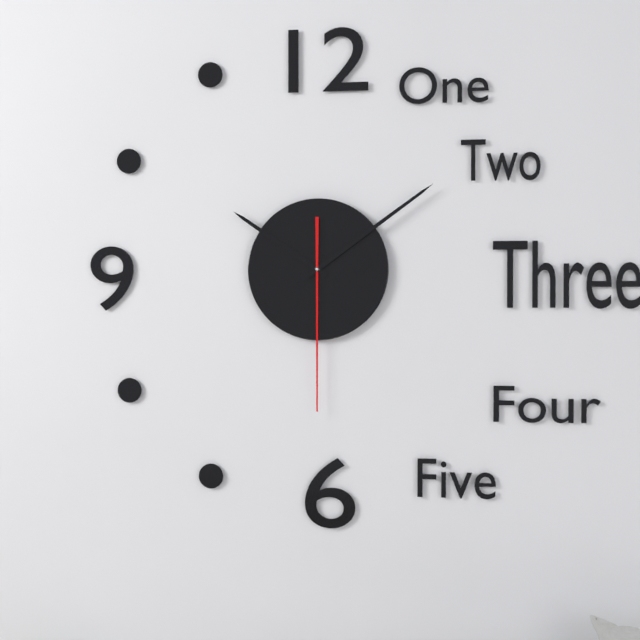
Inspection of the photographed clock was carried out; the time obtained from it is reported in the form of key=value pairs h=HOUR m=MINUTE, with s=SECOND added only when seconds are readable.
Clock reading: h=10 m=9 s=30
